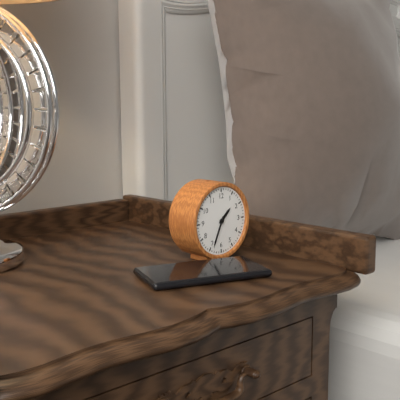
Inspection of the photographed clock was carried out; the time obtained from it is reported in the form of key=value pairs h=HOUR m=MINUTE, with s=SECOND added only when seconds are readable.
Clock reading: h=1 m=34
